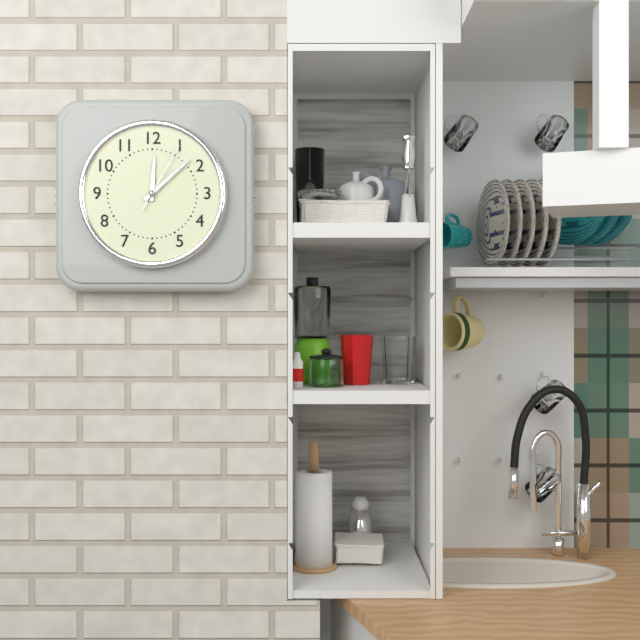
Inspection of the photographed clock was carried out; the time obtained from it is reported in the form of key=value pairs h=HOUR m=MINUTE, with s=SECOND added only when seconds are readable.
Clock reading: h=12 m=8 s=5
